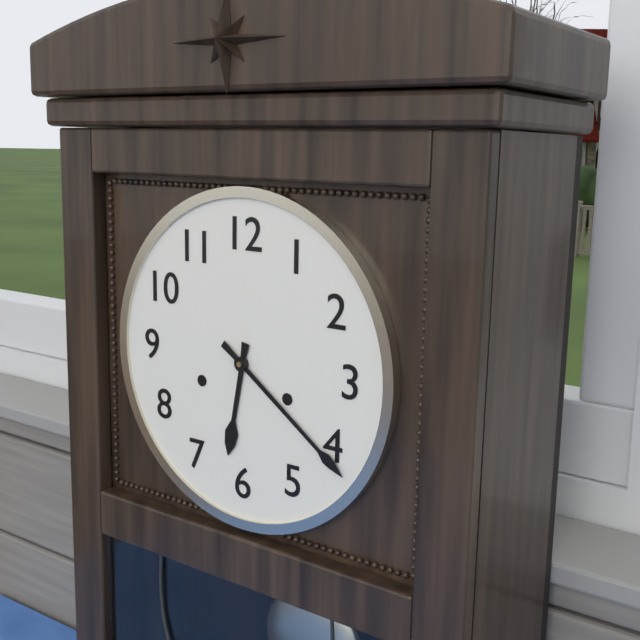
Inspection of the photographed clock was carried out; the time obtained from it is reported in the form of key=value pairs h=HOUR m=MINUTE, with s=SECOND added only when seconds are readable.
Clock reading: h=6 m=21
